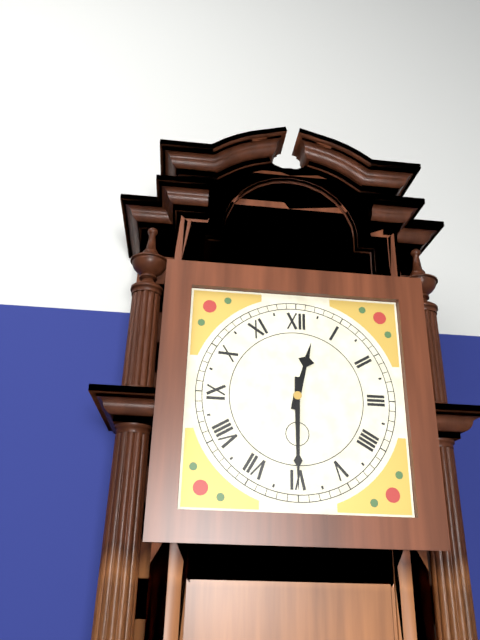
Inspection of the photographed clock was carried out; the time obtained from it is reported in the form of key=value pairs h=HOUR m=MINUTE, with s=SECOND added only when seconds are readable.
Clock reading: h=12 m=30
